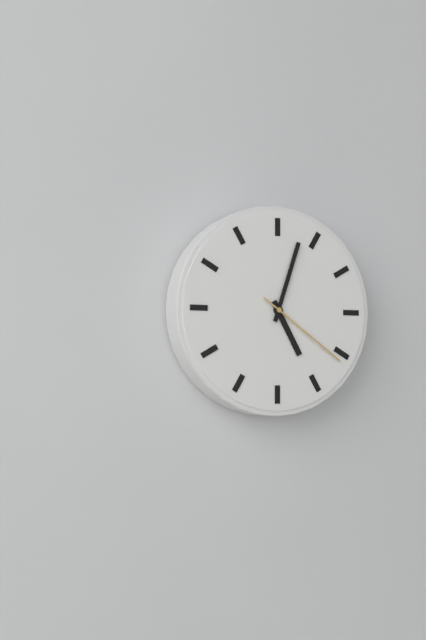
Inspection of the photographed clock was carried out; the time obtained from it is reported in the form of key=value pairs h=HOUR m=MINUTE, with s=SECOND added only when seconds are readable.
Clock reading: h=5 m=3 s=21
